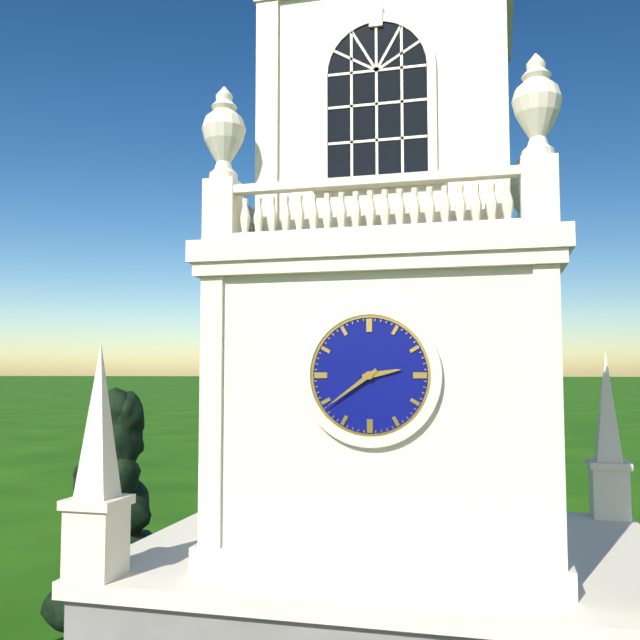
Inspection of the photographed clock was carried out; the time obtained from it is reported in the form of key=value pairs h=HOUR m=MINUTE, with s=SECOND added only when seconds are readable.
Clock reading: h=2 m=39
